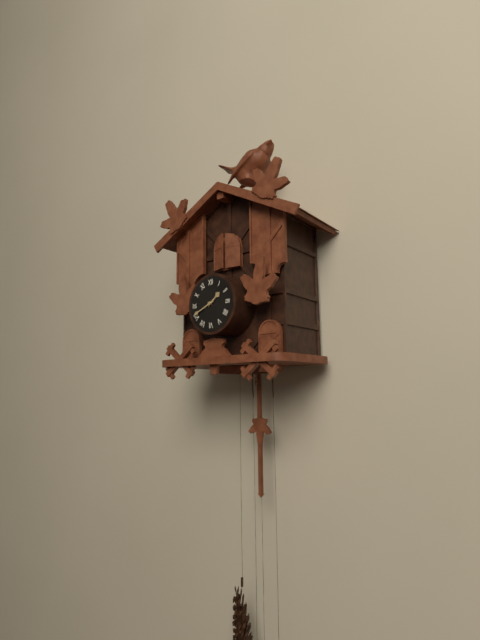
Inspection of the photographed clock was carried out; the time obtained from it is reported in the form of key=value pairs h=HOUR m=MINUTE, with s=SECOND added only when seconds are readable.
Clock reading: h=1 m=41
